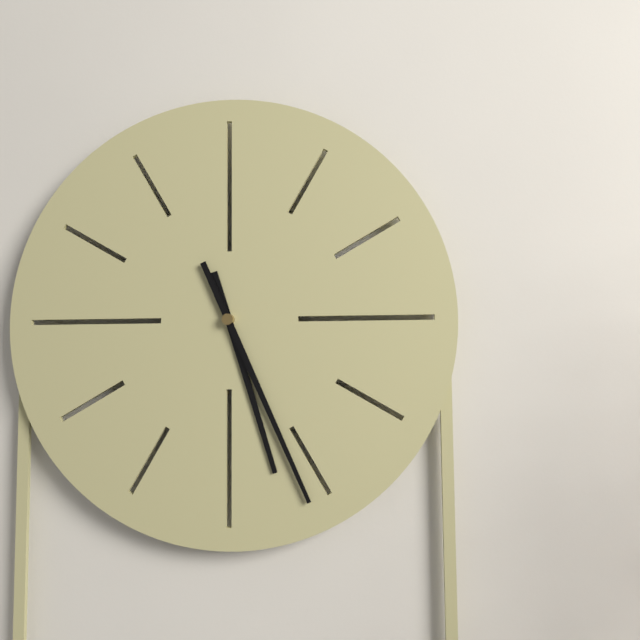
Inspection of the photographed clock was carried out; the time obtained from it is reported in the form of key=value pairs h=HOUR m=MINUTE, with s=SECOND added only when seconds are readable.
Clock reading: h=5 m=26
